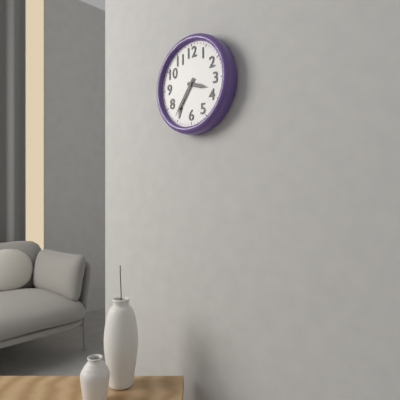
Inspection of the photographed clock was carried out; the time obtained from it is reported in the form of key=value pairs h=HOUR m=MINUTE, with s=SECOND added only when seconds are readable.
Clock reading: h=3 m=36
